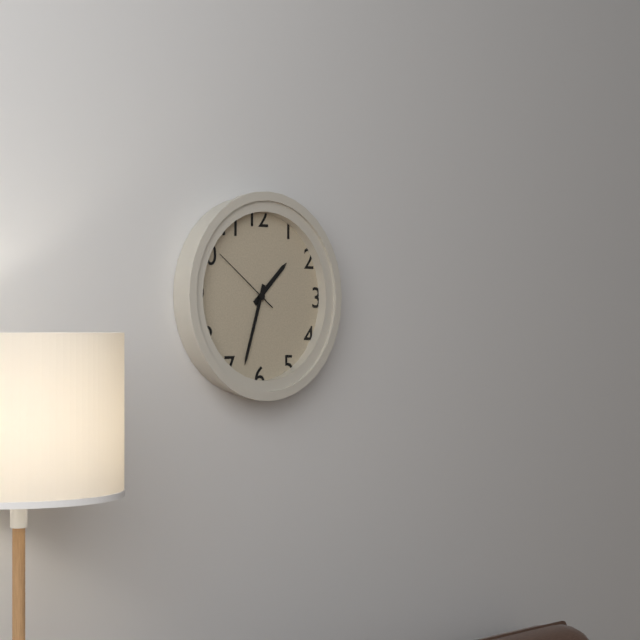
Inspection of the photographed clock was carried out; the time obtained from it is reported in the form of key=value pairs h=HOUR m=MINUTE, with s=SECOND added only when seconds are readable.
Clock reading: h=1 m=33 s=51
